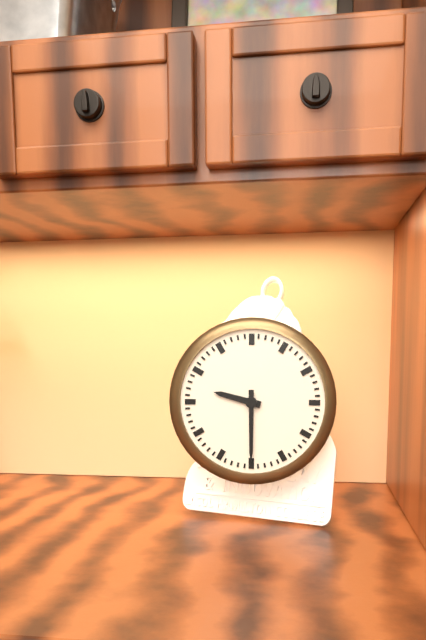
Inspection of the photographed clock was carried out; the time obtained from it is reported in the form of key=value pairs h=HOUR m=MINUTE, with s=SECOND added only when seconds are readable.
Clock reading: h=9 m=30
